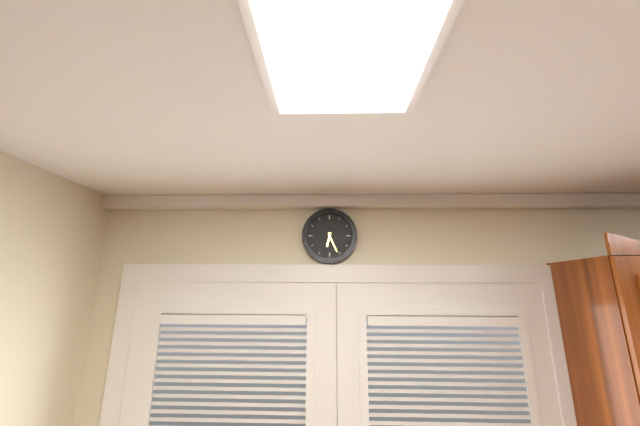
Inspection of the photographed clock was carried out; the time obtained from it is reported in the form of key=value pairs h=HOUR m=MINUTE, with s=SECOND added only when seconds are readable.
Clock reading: h=6 m=26
